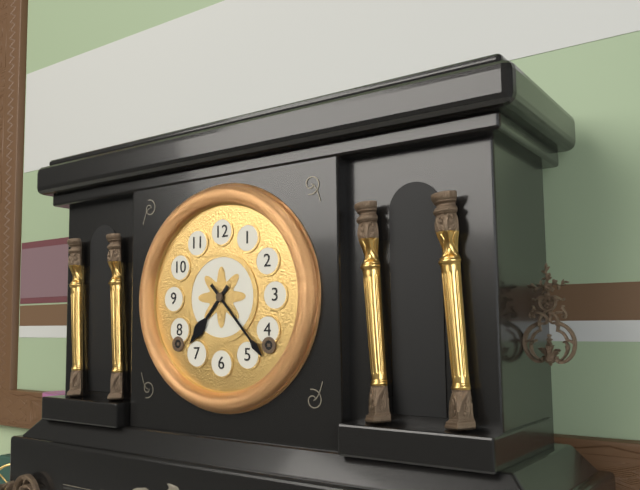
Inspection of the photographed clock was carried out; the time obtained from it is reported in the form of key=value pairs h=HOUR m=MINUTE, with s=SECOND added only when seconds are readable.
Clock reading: h=7 m=23
